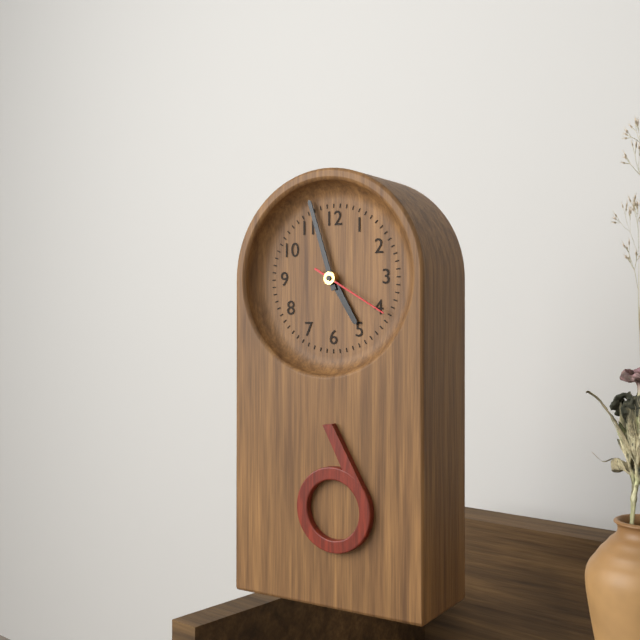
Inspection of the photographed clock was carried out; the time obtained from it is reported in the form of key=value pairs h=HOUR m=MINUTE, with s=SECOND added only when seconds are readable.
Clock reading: h=4 m=57 s=20
